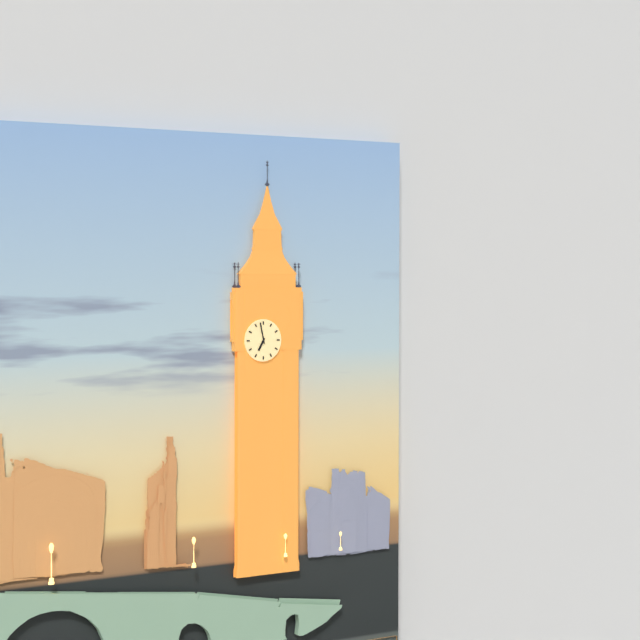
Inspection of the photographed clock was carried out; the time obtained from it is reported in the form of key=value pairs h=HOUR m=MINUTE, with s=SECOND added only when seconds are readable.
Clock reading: h=6 m=58
